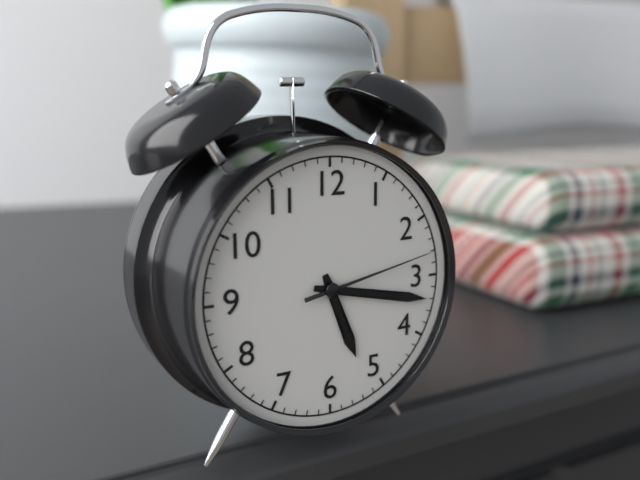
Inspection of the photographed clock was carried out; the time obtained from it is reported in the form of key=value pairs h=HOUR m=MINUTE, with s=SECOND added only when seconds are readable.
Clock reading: h=5 m=17 s=13
